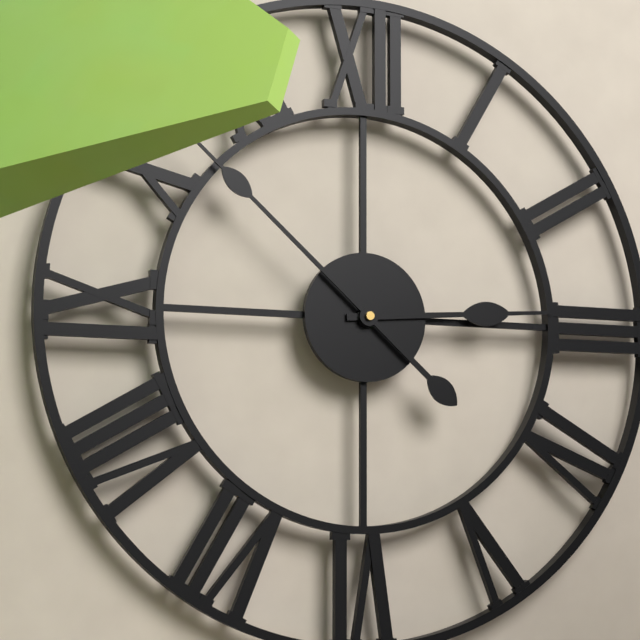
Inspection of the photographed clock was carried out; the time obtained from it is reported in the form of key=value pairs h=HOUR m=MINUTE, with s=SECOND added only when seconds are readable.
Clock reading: h=2 m=52
